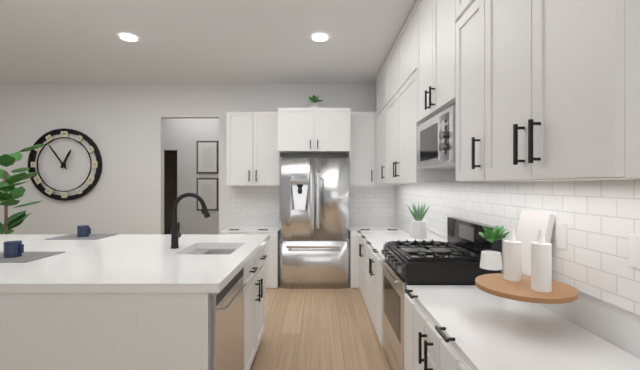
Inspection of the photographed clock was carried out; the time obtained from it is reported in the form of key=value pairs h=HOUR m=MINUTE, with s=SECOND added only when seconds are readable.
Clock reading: h=12 m=54
